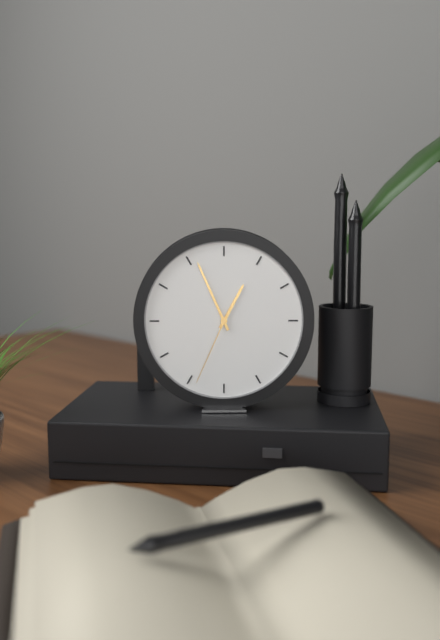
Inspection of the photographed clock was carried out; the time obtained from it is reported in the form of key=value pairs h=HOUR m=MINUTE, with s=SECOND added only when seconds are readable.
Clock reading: h=12 m=56 s=34
